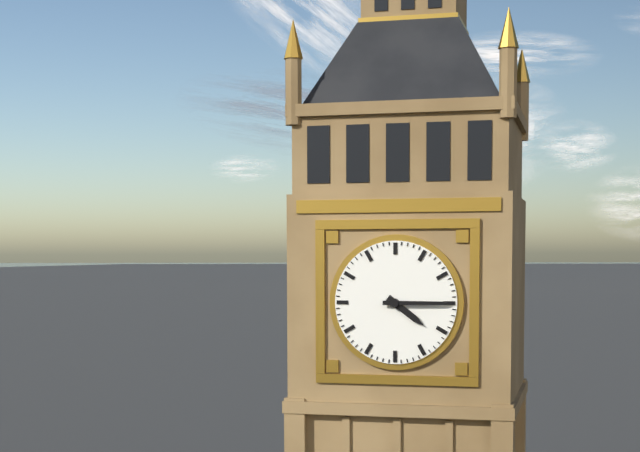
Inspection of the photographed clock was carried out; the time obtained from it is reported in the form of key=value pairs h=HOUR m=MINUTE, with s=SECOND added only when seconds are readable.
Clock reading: h=4 m=15
